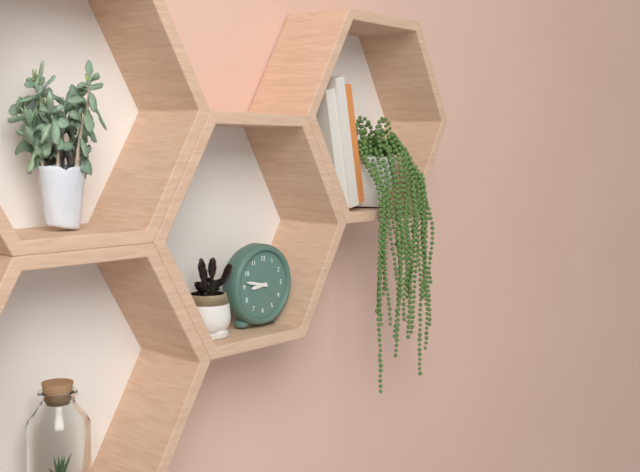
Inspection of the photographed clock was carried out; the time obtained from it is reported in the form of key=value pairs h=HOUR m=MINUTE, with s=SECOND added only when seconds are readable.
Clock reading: h=8 m=47
